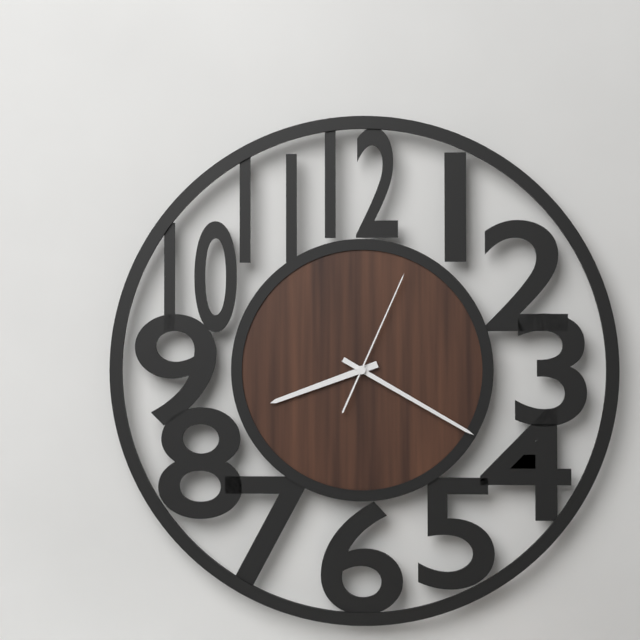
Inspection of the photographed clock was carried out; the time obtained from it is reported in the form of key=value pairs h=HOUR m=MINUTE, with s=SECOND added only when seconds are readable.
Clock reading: h=8 m=20 s=4
